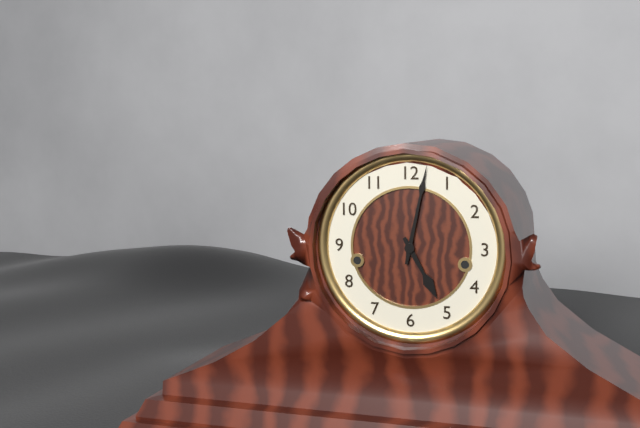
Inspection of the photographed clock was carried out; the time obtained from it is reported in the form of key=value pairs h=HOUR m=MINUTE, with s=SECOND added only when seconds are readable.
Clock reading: h=5 m=2
